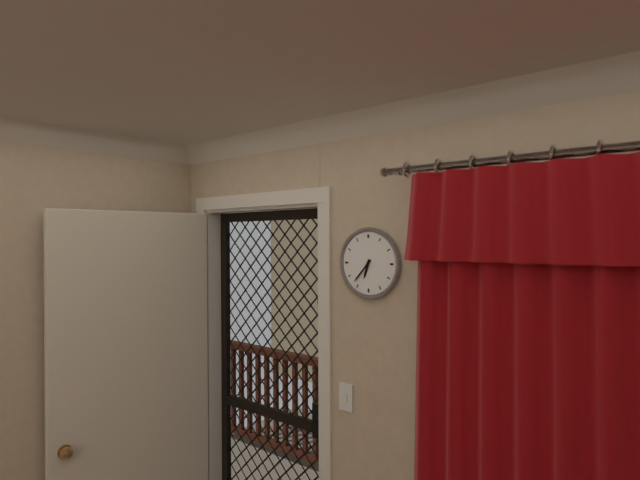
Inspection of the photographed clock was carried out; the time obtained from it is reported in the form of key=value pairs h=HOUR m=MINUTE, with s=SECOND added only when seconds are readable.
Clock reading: h=6 m=37
